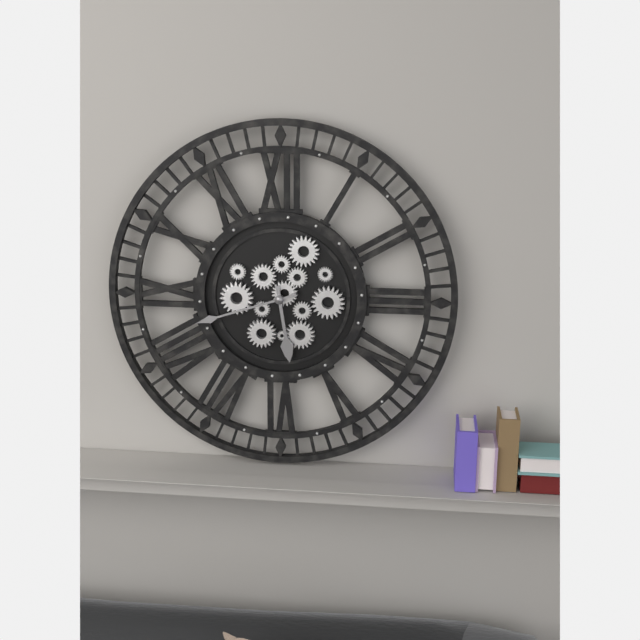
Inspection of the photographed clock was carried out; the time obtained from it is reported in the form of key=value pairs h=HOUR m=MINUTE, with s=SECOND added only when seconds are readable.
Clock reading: h=5 m=42
